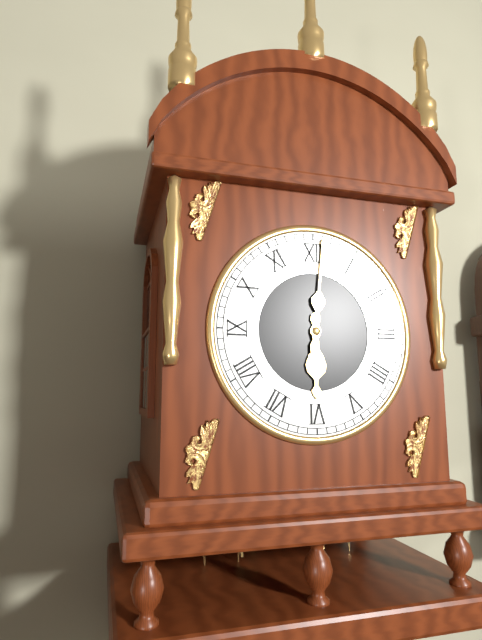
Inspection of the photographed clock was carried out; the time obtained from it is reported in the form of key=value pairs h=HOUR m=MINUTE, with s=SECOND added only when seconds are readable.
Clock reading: h=6 m=1
